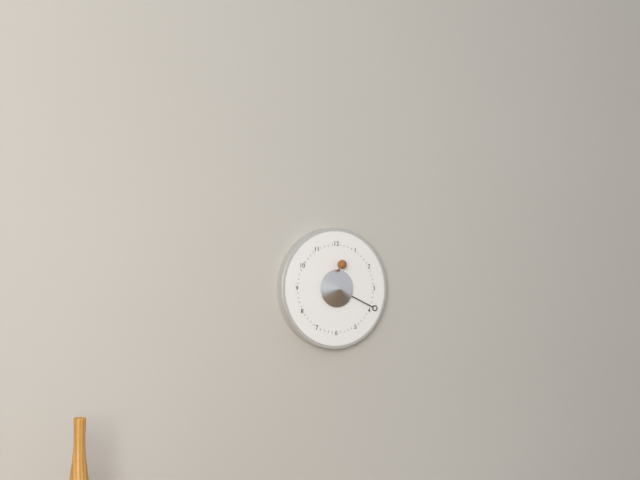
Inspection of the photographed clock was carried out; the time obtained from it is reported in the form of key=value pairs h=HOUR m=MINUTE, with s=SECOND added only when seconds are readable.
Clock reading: h=12 m=19
